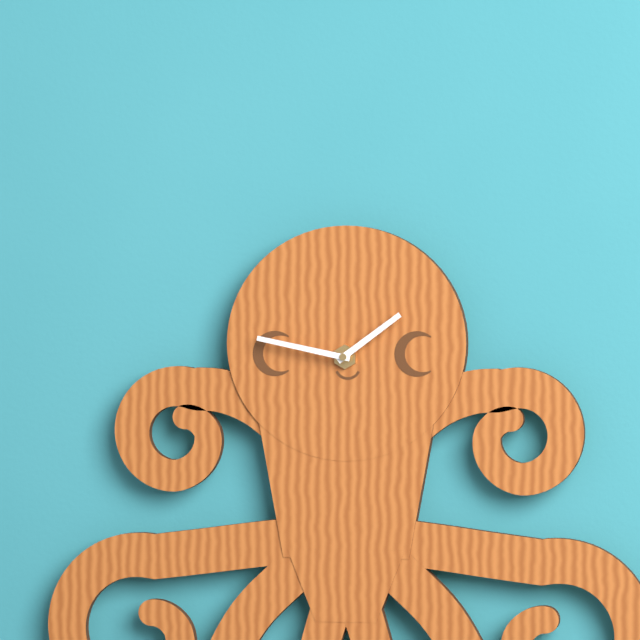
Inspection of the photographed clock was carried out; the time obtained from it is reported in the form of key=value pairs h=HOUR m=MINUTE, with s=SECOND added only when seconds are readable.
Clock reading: h=1 m=47
